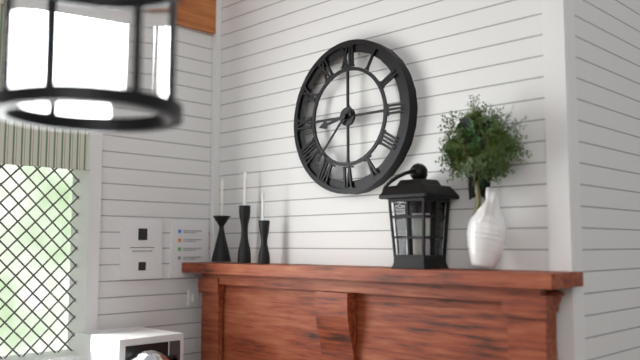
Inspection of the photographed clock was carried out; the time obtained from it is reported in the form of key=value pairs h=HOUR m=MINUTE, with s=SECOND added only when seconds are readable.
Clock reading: h=8 m=37
